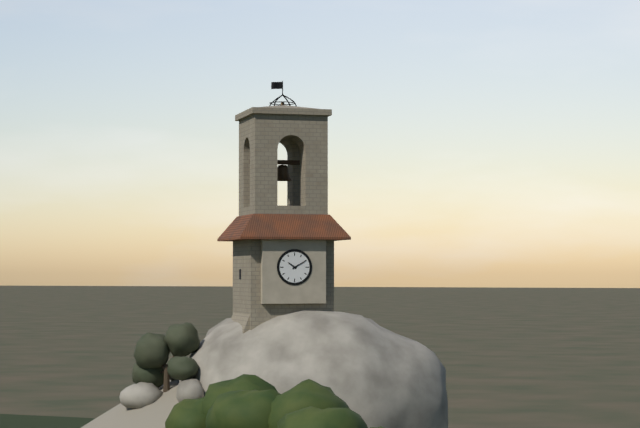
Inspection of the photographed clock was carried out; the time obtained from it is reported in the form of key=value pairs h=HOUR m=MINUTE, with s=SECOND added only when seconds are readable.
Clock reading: h=10 m=10
